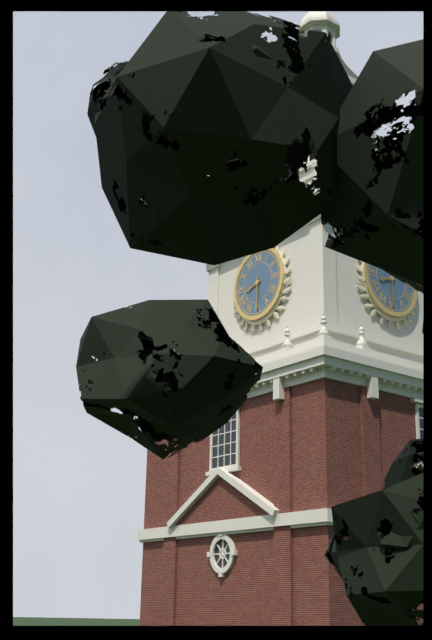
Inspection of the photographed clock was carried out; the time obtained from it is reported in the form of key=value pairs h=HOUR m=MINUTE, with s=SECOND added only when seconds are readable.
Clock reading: h=8 m=30
